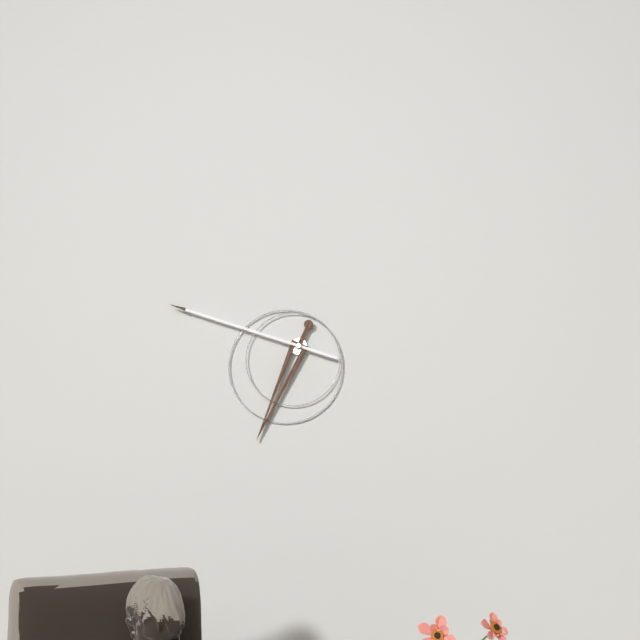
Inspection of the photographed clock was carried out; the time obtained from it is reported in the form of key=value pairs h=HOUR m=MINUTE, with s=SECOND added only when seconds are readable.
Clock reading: h=6 m=48
